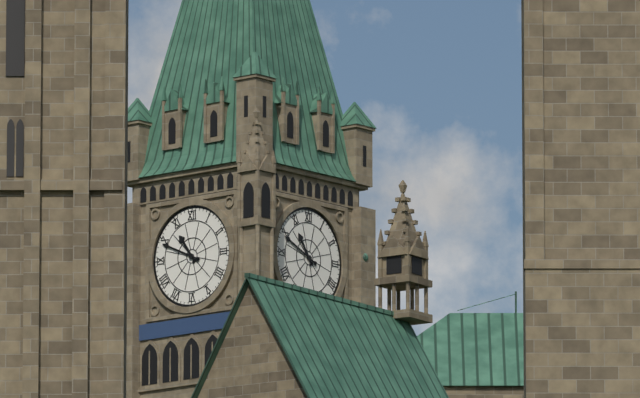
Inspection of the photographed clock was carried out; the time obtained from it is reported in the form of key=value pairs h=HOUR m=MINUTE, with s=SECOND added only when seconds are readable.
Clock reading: h=10 m=49
